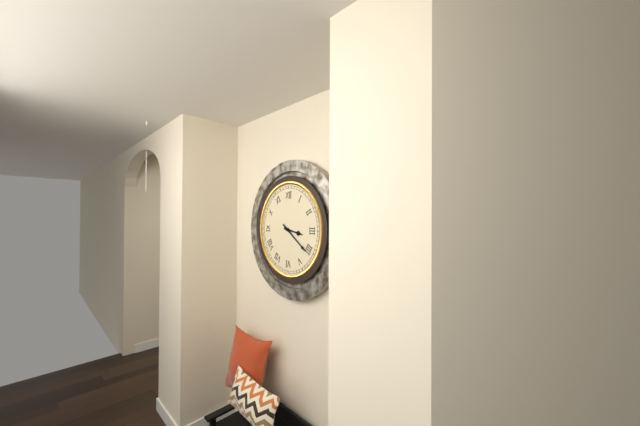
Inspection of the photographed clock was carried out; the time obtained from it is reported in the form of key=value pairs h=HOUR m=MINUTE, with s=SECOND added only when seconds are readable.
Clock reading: h=3 m=21
